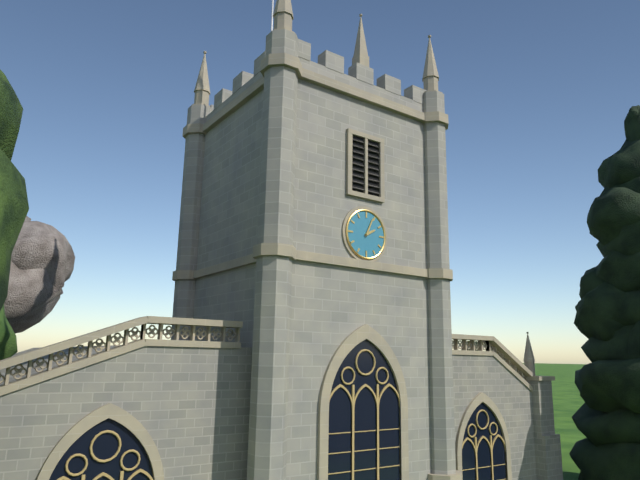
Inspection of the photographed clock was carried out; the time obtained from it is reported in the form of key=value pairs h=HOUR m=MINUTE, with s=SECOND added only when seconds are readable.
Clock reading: h=2 m=4
